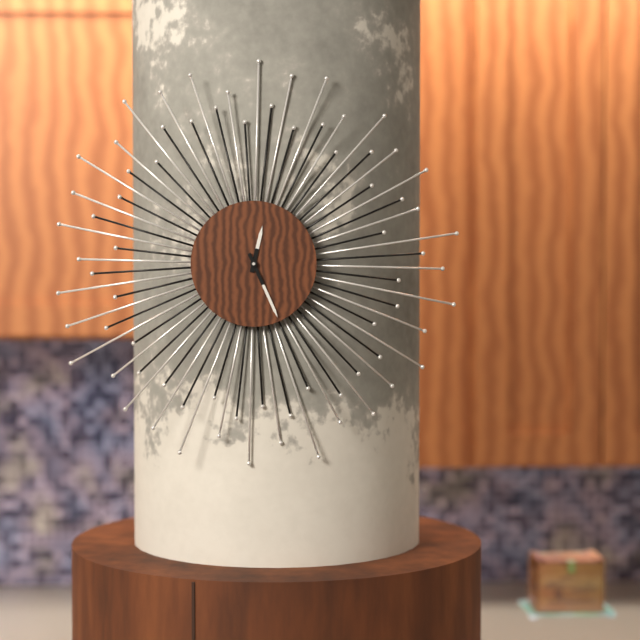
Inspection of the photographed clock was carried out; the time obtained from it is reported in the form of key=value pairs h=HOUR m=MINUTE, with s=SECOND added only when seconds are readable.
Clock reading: h=12 m=26
